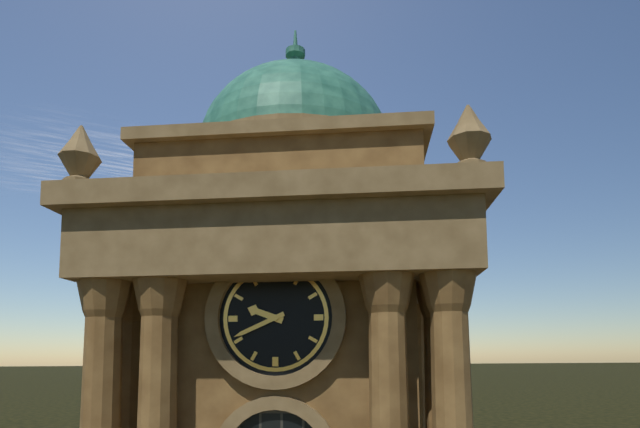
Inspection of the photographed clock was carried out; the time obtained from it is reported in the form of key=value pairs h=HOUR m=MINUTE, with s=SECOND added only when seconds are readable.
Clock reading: h=9 m=41
